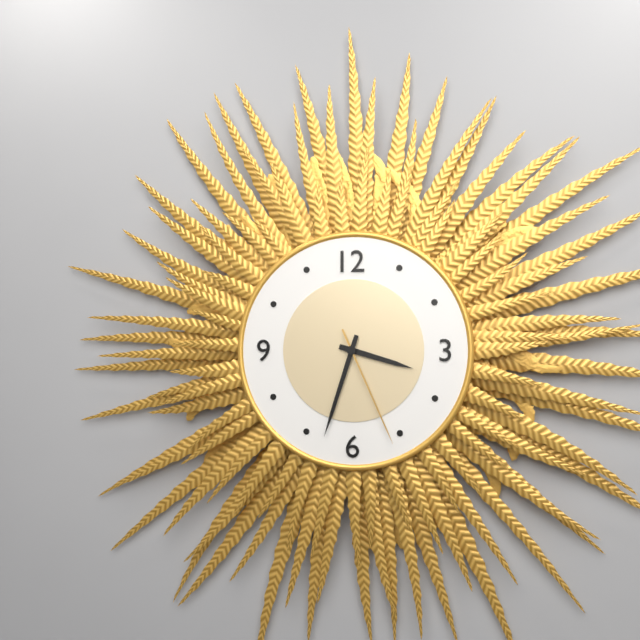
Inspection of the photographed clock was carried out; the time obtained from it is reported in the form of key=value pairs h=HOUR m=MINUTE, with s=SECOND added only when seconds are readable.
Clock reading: h=3 m=33 s=26
